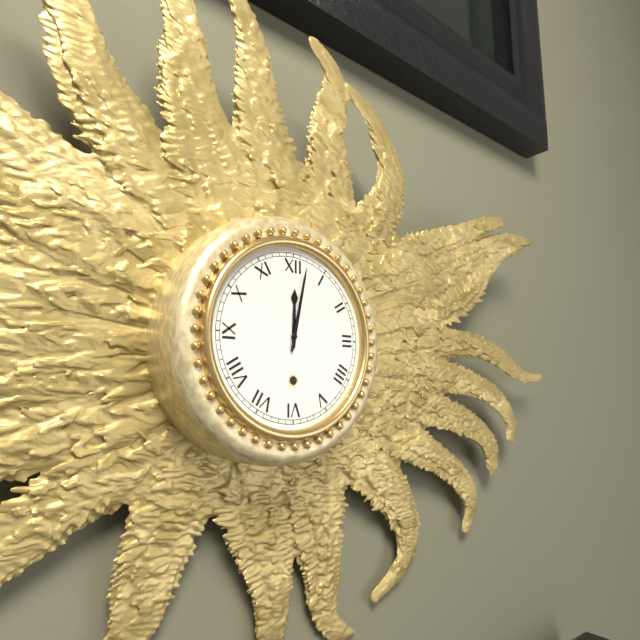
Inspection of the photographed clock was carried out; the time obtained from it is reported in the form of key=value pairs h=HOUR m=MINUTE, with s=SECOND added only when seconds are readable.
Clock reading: h=12 m=2
